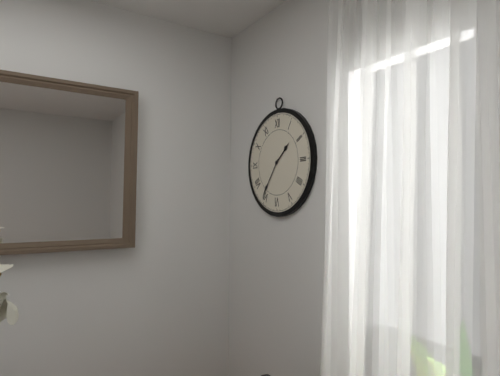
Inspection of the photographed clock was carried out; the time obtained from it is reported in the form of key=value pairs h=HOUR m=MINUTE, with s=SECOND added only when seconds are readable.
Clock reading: h=1 m=36
